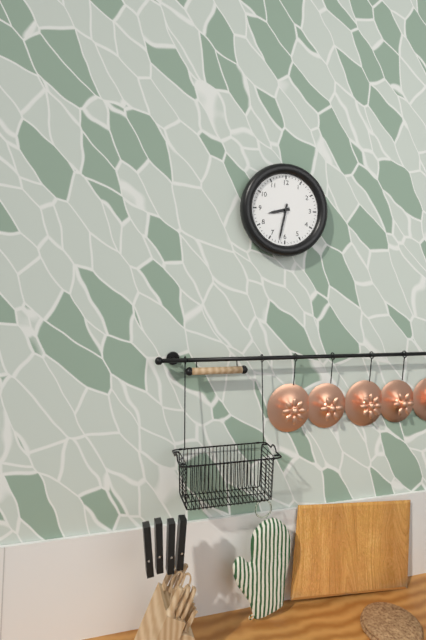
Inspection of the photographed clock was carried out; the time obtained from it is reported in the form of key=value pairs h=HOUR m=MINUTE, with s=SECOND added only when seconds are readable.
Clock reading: h=8 m=32
